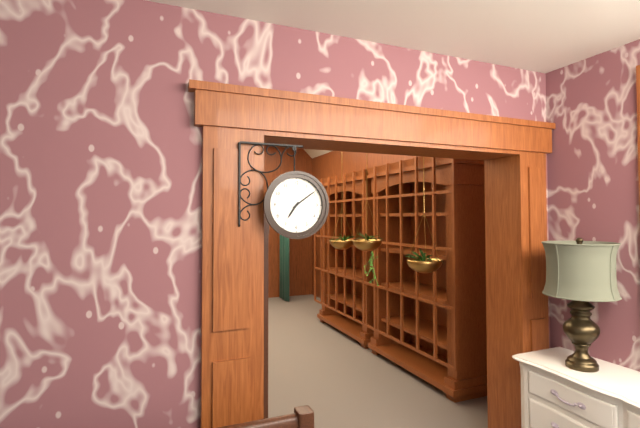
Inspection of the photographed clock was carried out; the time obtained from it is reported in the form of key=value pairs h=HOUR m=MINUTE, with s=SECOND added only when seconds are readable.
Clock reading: h=7 m=9
